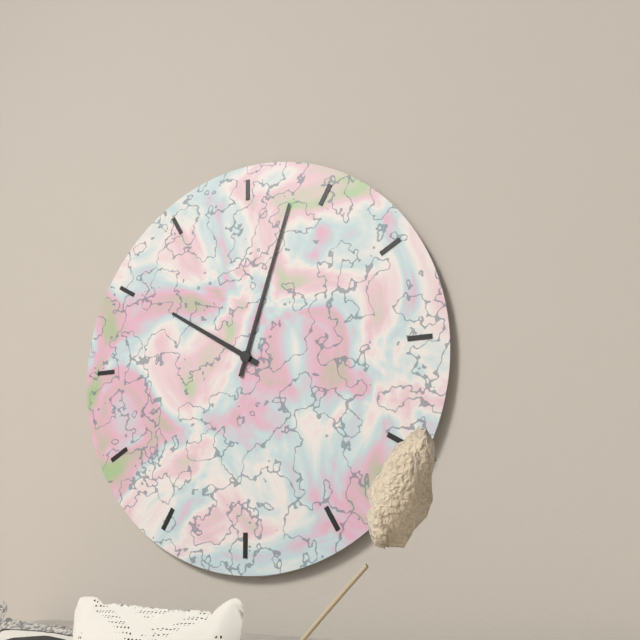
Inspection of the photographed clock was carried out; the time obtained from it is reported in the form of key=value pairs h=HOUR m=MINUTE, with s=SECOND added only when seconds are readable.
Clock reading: h=10 m=3
